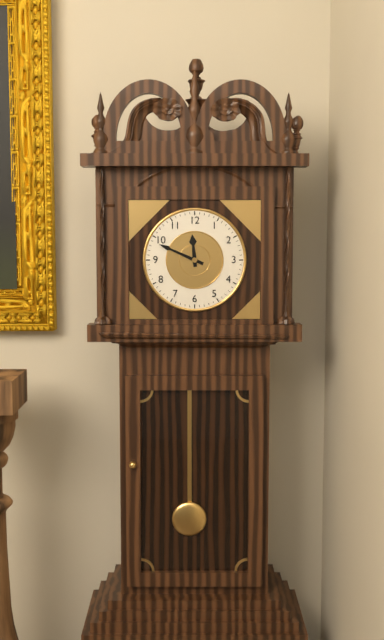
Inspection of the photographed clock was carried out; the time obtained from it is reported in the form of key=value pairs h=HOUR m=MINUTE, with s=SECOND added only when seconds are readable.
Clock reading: h=11 m=49
